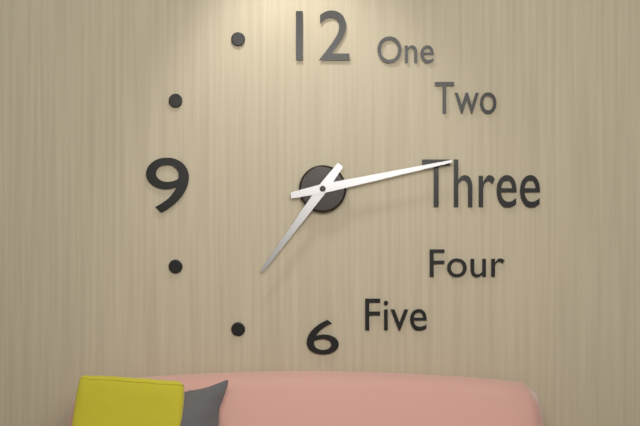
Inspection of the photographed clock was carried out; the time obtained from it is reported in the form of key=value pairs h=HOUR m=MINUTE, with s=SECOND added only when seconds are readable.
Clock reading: h=7 m=13
